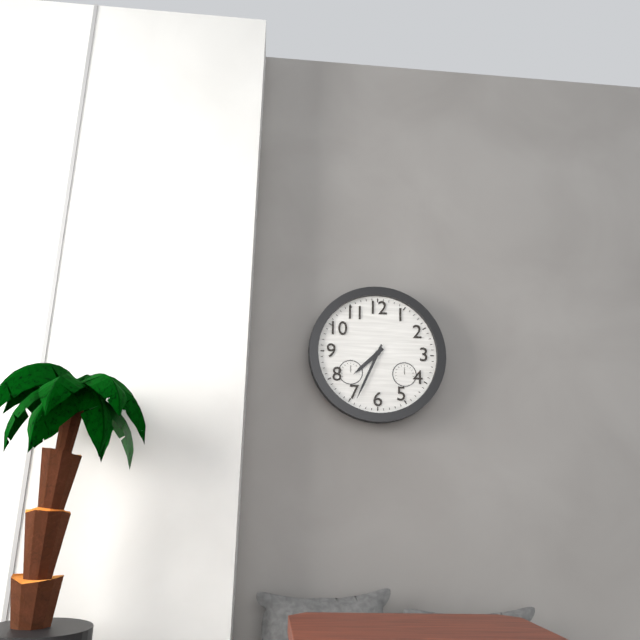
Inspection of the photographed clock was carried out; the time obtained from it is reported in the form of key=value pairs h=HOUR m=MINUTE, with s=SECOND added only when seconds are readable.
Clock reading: h=7 m=34
